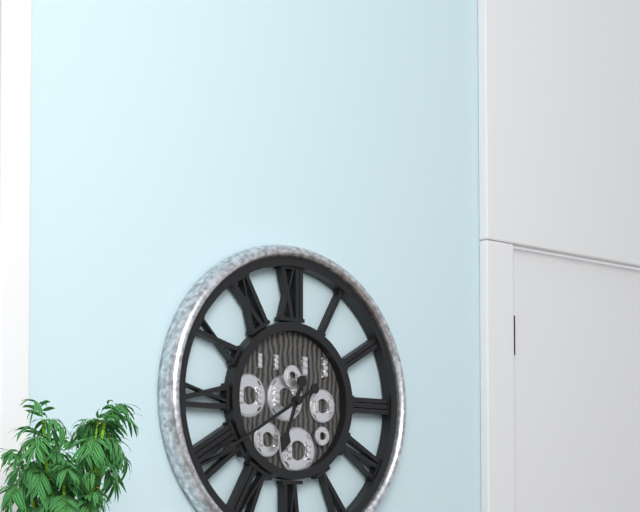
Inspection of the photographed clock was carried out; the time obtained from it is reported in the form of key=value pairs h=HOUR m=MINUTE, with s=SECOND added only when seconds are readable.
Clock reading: h=6 m=40
